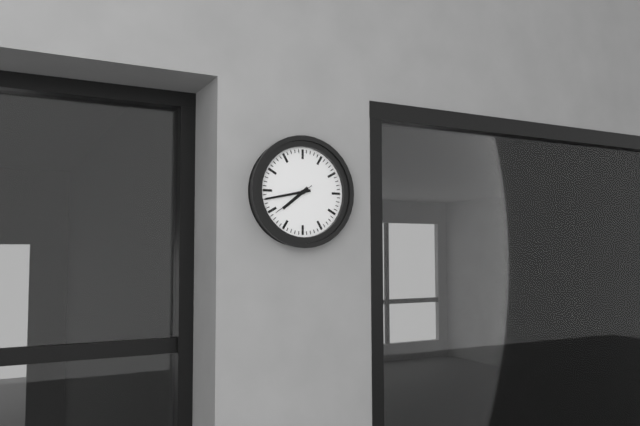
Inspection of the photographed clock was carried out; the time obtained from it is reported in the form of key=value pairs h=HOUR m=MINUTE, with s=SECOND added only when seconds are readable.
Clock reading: h=7 m=43
